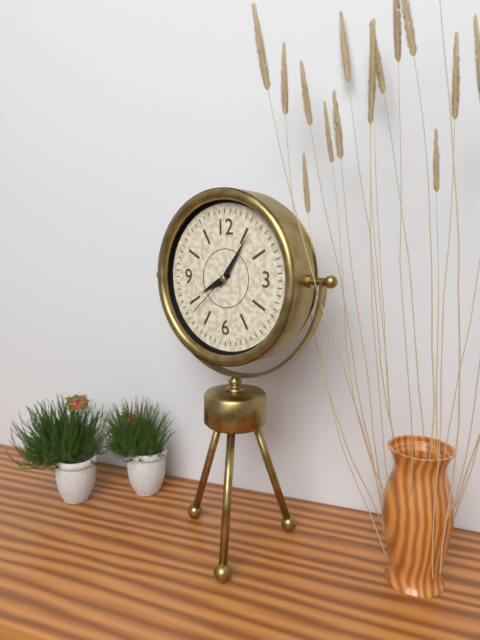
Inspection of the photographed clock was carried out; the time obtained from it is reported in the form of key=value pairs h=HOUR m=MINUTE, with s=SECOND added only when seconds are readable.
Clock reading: h=8 m=6 s=38
